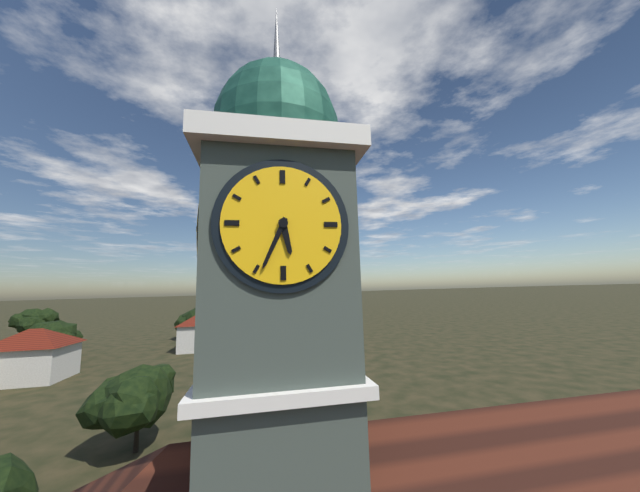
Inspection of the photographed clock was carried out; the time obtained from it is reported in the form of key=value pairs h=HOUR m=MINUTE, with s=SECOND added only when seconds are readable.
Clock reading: h=5 m=34
